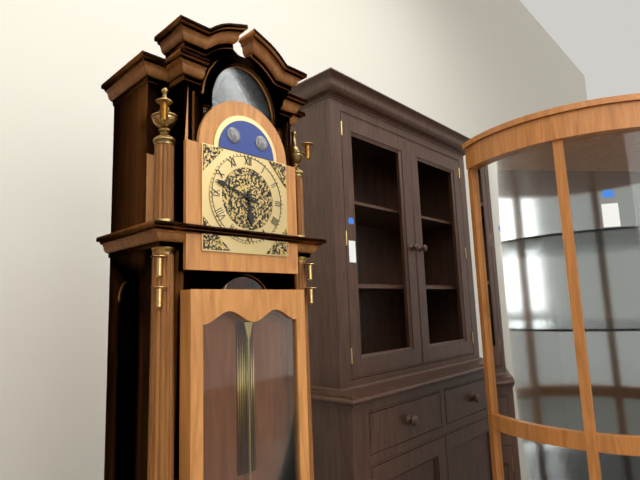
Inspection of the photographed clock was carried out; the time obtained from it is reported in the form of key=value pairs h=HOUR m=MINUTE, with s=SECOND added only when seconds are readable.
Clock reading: h=5 m=48
